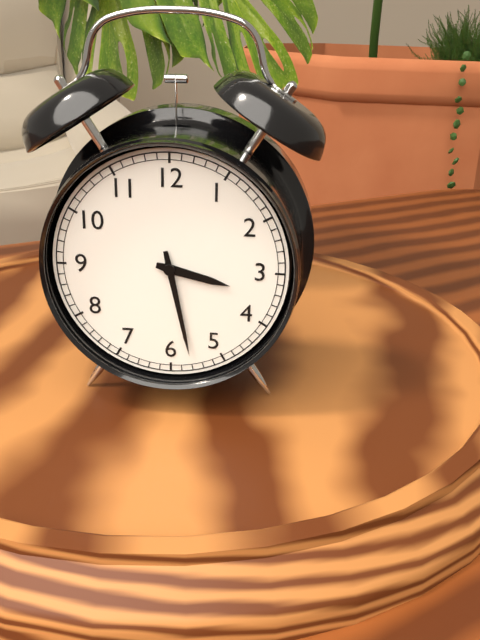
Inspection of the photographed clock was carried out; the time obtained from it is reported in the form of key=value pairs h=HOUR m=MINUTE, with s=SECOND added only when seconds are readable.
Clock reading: h=3 m=28
